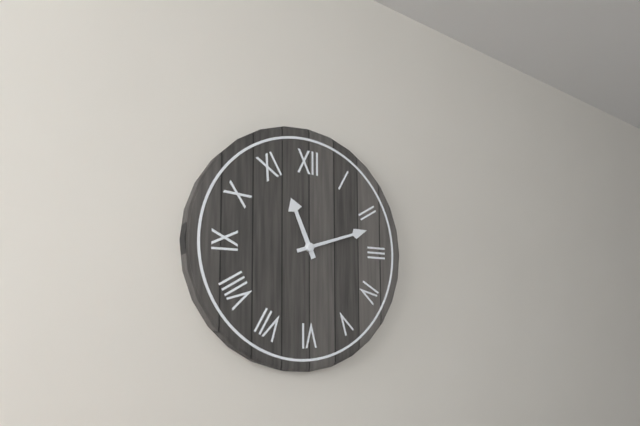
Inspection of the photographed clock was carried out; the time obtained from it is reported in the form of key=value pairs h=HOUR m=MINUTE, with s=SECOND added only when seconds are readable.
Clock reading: h=11 m=12
